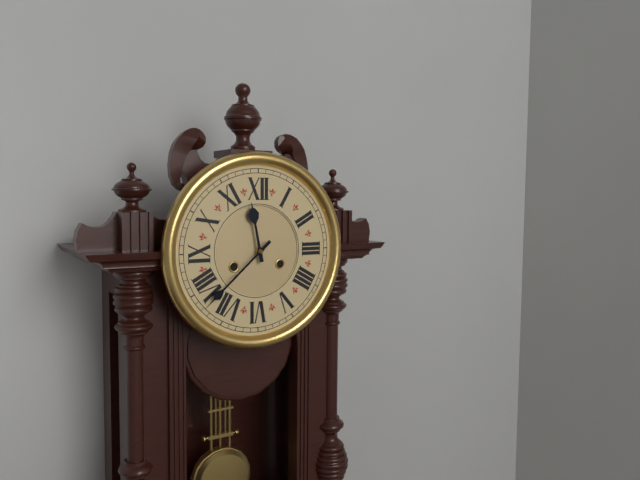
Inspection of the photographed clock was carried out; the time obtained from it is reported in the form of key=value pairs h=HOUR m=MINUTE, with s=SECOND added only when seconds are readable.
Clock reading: h=11 m=38
